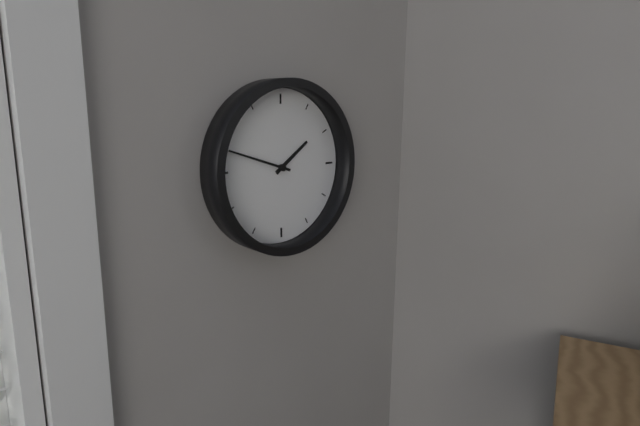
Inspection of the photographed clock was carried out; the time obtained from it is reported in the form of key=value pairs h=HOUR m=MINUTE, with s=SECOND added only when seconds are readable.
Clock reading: h=1 m=48
